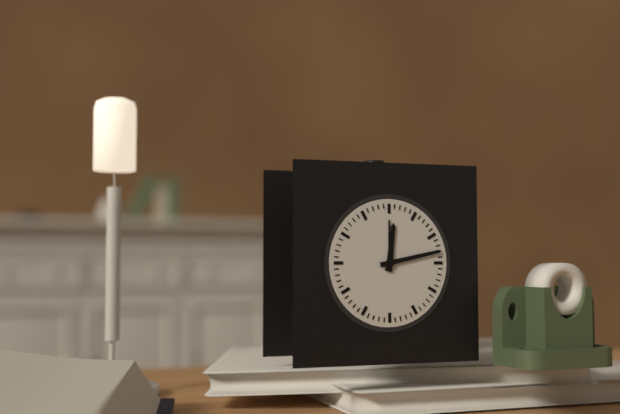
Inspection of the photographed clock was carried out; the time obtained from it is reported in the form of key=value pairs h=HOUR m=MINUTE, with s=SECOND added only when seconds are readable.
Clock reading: h=12 m=13
